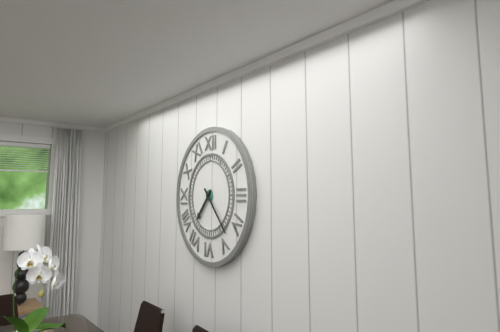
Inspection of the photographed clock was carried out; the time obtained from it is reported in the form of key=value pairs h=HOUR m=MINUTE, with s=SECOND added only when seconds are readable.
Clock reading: h=7 m=23
